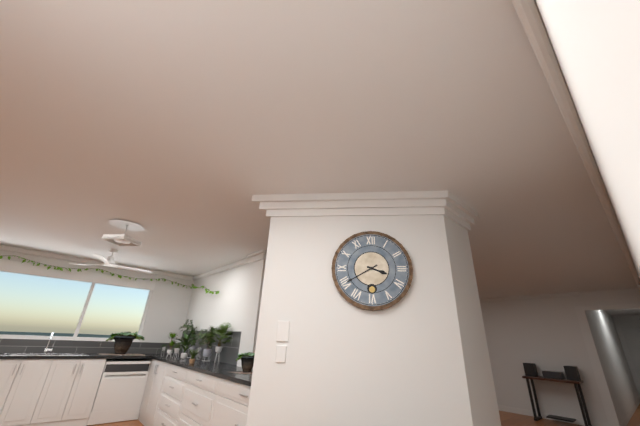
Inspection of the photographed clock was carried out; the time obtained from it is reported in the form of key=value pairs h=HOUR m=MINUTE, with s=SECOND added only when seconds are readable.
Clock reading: h=3 m=40
